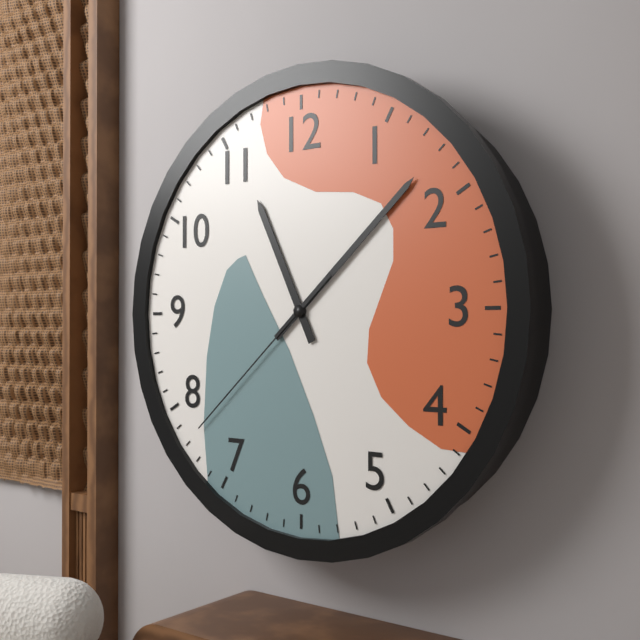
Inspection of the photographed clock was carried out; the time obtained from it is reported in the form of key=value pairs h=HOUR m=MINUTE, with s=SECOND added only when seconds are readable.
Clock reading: h=11 m=8 s=38
